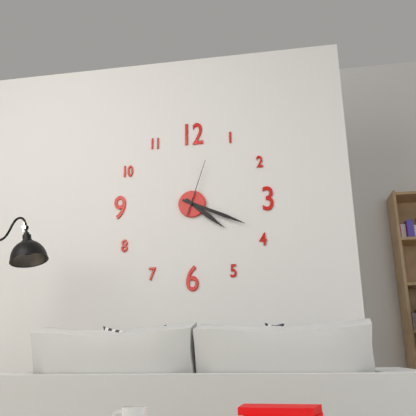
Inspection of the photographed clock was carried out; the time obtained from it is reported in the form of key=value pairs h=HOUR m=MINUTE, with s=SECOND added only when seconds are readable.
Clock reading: h=4 m=19 s=3
